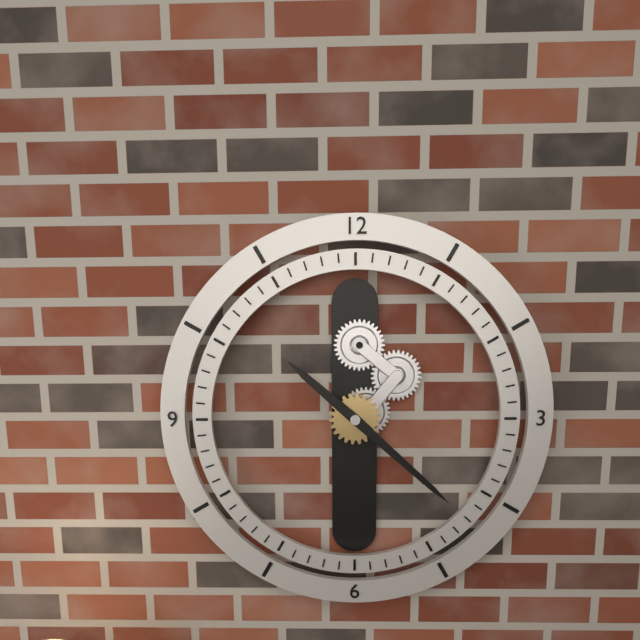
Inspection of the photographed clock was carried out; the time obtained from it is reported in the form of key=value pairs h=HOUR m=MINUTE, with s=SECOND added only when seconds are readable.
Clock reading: h=10 m=22
